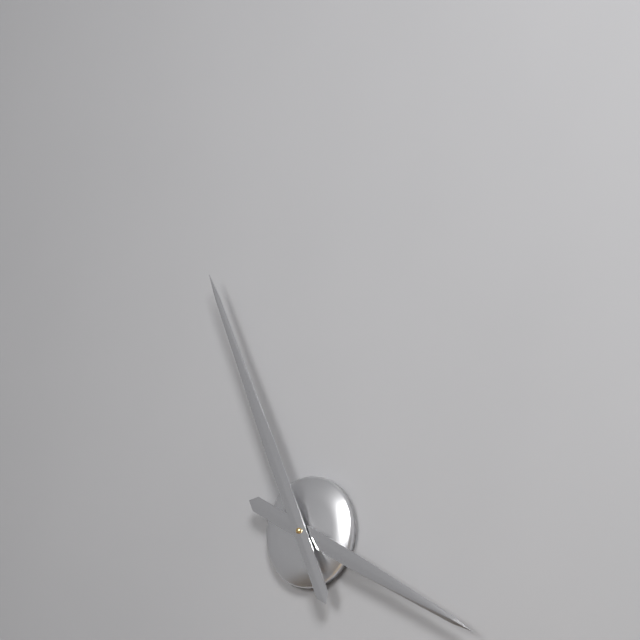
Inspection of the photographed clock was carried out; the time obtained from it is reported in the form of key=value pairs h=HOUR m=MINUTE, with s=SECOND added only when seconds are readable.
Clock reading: h=3 m=56
